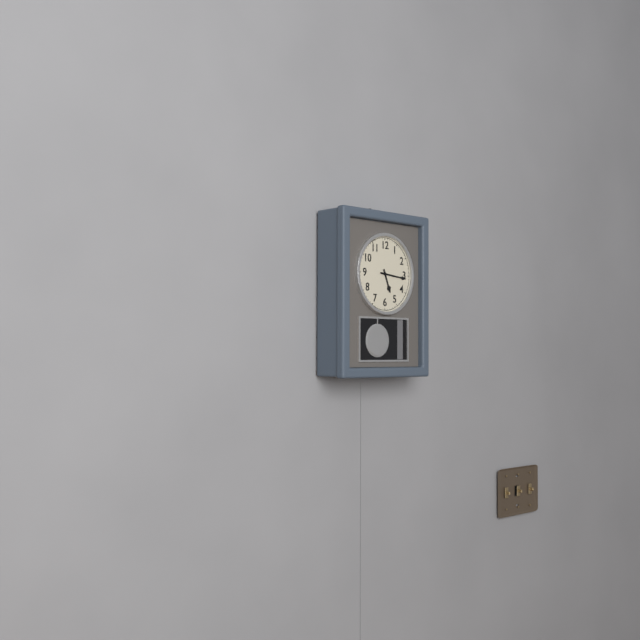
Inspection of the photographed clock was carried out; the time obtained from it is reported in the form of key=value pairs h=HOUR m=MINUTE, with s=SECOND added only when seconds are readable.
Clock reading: h=5 m=16
